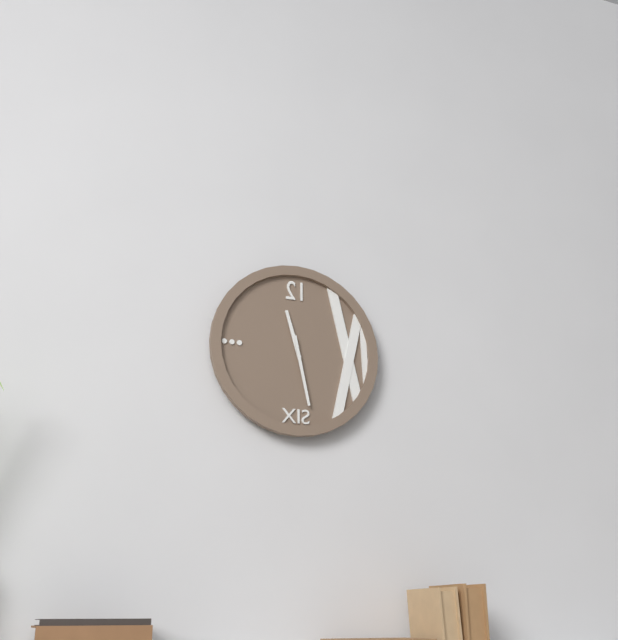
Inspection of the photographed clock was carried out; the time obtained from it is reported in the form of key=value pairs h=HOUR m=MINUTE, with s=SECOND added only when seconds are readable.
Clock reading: h=11 m=28
